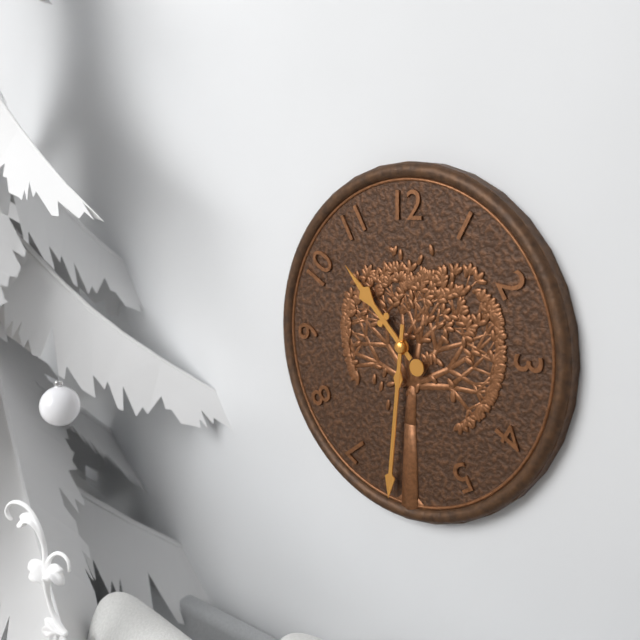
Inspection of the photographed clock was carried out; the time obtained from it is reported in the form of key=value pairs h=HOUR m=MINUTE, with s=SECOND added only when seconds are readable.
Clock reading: h=10 m=31
